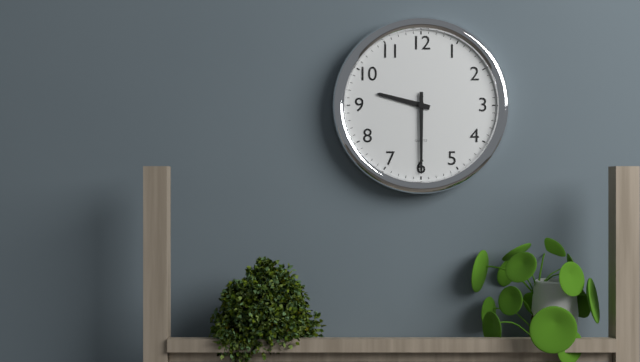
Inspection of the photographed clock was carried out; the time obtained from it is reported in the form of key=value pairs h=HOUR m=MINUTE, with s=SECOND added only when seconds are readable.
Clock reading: h=9 m=30
